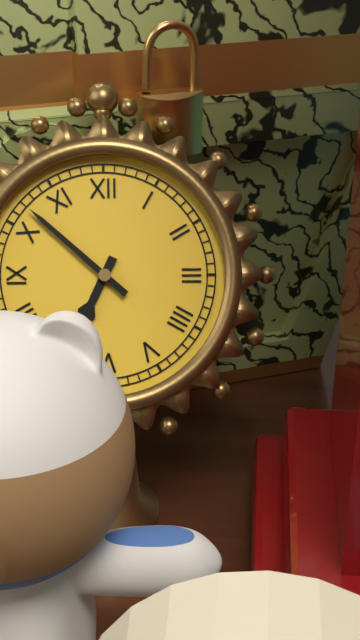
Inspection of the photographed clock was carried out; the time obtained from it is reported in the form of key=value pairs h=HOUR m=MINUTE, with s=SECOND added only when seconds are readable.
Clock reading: h=6 m=52
